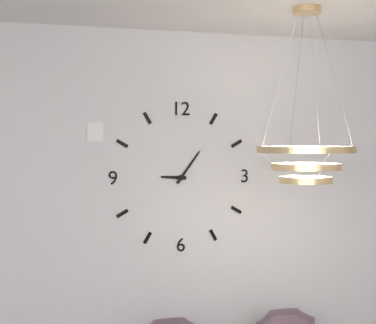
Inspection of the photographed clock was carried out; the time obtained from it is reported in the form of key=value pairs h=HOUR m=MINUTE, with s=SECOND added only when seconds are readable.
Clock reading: h=9 m=6
